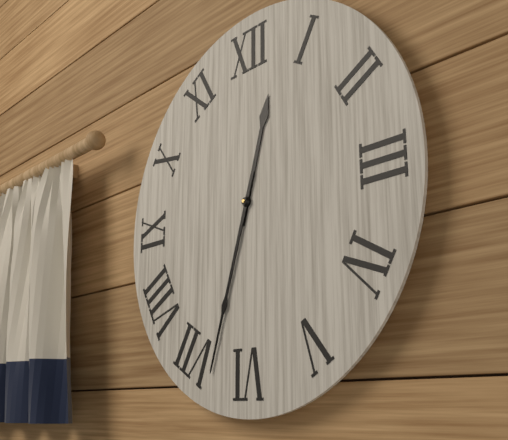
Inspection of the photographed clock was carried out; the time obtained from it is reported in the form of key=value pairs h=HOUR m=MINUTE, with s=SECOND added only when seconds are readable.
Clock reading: h=12 m=33
